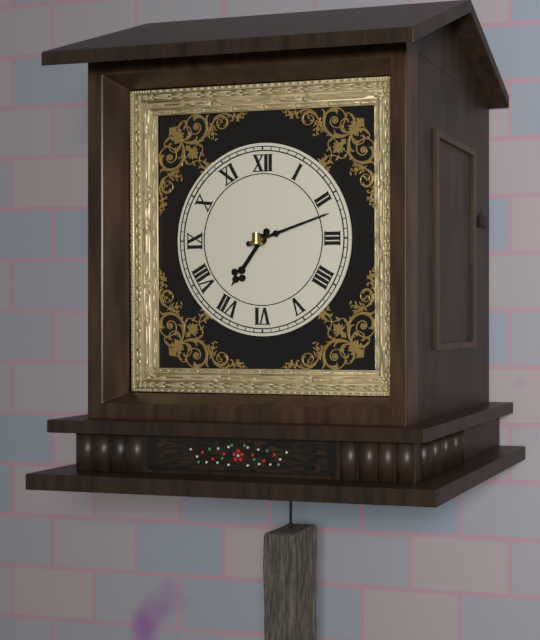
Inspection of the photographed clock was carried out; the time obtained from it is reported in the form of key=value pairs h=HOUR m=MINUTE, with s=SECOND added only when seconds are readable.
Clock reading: h=7 m=12
